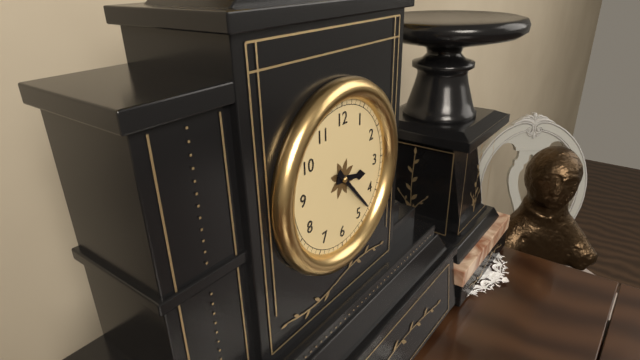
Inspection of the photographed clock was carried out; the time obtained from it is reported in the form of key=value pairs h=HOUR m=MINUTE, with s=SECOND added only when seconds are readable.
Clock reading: h=3 m=23
